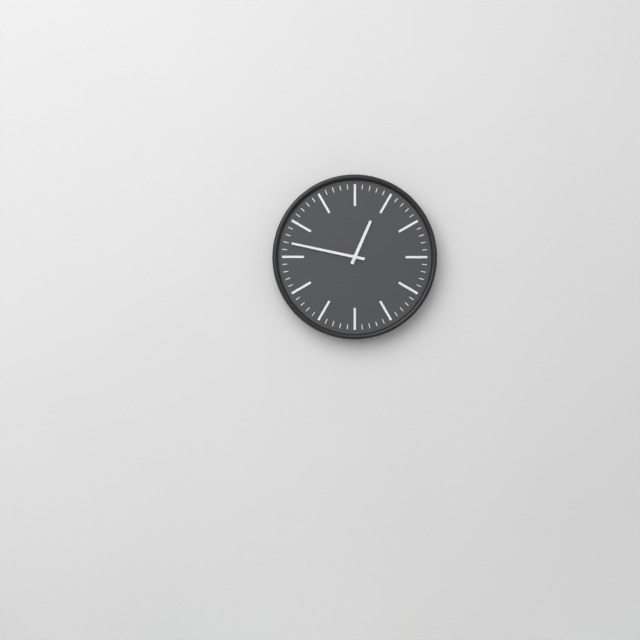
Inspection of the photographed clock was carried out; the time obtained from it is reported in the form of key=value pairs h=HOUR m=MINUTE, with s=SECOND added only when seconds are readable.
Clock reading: h=12 m=47
